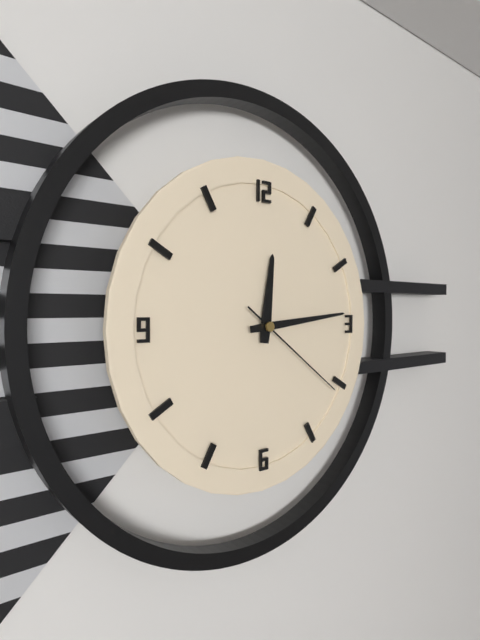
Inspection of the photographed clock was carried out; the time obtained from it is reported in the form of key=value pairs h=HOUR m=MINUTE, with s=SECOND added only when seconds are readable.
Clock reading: h=12 m=14 s=21
